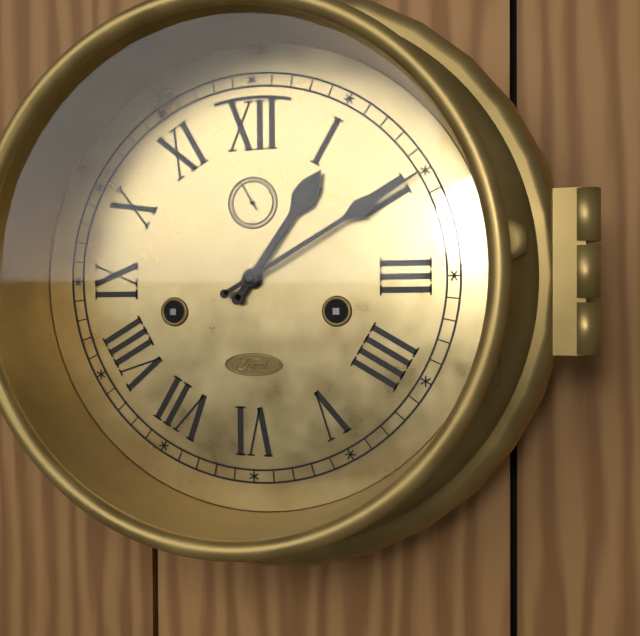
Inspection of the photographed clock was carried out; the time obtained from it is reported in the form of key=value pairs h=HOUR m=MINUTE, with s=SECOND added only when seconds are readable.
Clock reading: h=1 m=10
